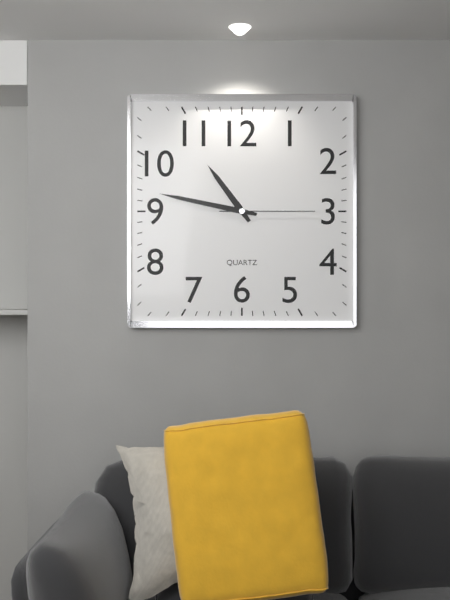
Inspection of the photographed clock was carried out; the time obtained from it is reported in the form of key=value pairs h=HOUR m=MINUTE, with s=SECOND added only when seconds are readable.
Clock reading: h=10 m=47 s=15
